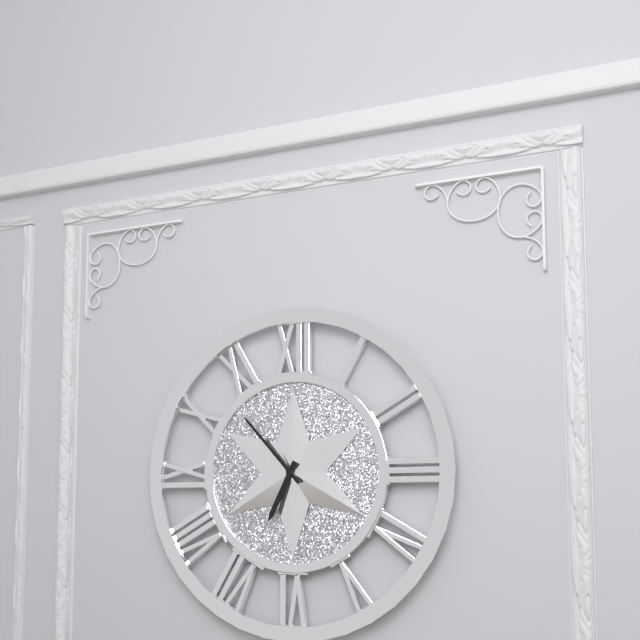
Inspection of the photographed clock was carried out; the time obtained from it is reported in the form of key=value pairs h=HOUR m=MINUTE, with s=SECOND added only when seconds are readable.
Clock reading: h=6 m=53
